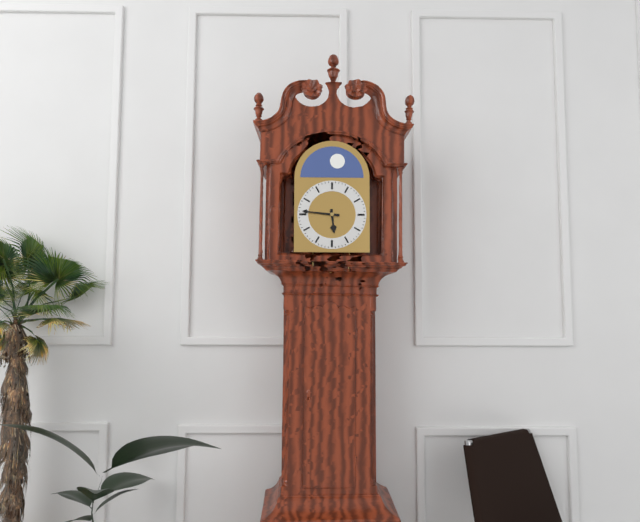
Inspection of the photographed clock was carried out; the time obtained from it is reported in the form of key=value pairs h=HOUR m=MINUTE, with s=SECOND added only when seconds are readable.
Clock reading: h=5 m=46
